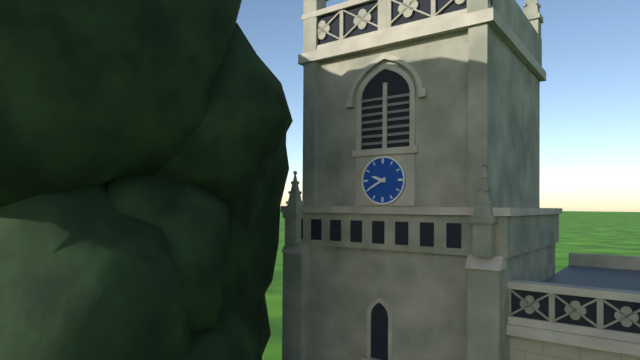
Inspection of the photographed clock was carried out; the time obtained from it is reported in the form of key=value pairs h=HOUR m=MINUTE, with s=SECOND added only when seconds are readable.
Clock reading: h=9 m=40
